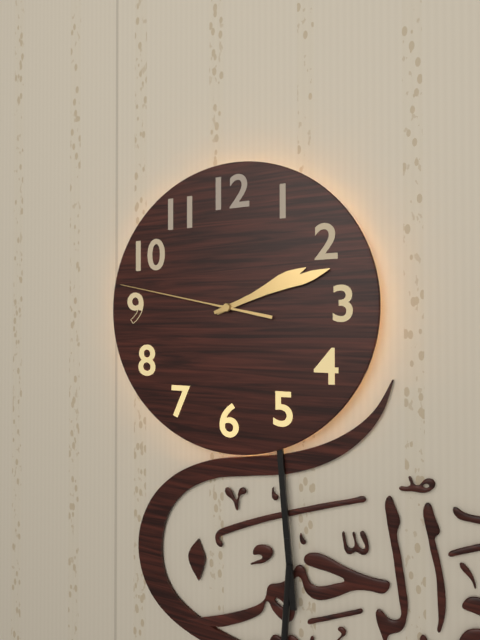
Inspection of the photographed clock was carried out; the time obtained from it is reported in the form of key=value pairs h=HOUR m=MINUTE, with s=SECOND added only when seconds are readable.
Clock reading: h=2 m=12 s=47
